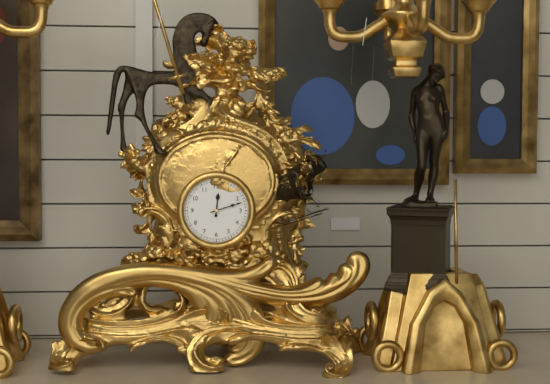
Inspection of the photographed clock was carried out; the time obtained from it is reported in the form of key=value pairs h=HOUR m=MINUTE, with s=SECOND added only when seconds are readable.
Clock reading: h=12 m=12
